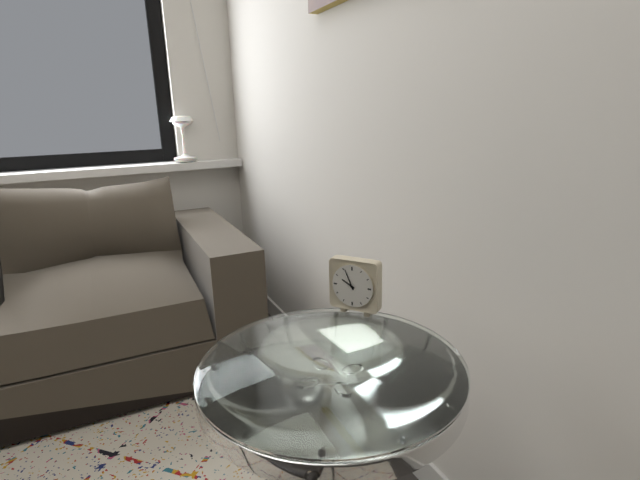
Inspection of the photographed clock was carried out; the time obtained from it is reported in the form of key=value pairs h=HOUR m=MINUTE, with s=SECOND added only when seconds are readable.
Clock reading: h=9 m=56
